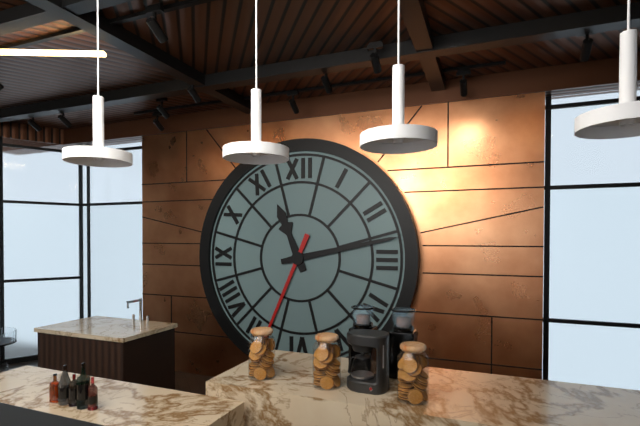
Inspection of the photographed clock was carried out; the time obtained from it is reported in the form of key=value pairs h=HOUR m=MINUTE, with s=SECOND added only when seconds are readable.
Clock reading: h=11 m=13 s=34
